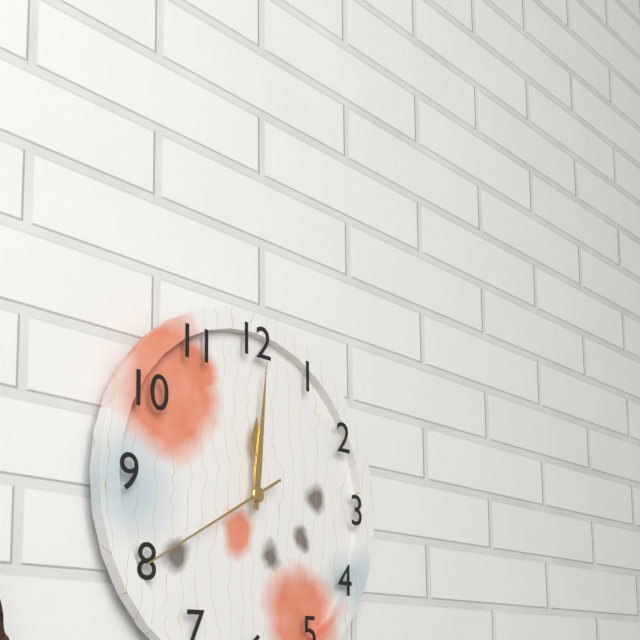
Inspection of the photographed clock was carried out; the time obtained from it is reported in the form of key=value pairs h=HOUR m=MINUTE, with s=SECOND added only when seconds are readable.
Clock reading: h=12 m=1 s=40
